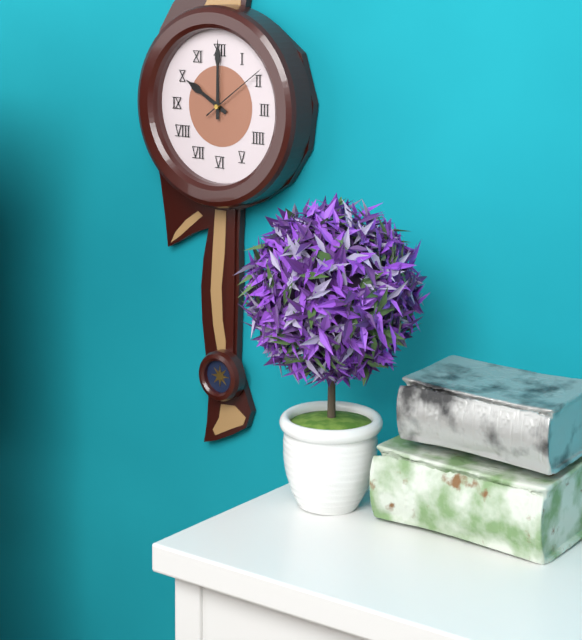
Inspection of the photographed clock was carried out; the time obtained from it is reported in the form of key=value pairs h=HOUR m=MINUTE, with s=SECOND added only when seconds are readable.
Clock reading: h=10 m=0 s=9
